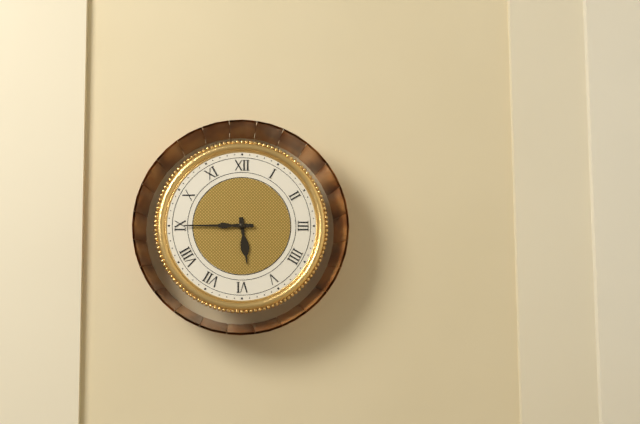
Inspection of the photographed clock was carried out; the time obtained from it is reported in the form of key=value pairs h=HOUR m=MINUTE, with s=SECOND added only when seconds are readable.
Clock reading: h=5 m=45
